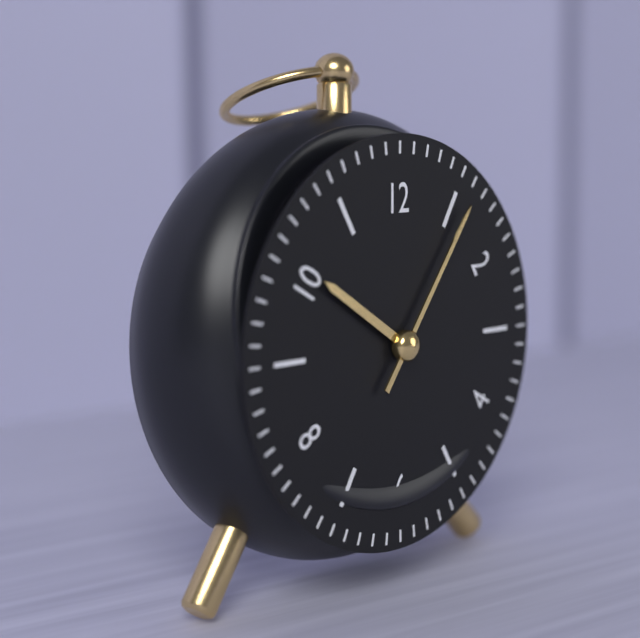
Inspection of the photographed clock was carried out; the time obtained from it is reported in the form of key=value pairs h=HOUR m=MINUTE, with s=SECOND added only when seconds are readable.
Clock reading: h=10 m=6
